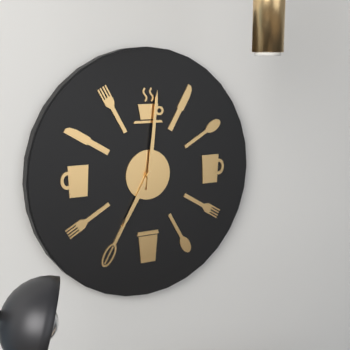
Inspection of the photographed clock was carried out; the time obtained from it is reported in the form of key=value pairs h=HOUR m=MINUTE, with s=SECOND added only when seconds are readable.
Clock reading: h=7 m=1
